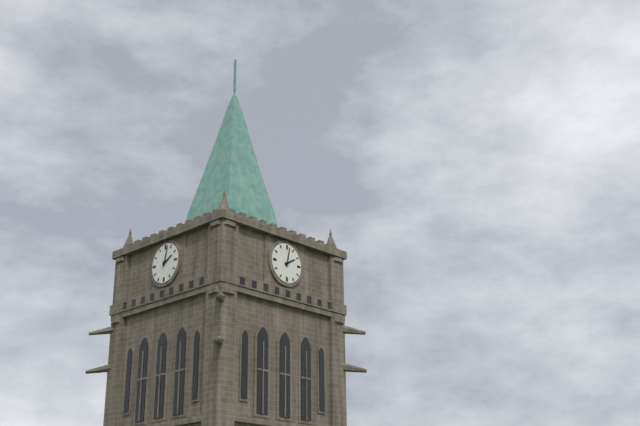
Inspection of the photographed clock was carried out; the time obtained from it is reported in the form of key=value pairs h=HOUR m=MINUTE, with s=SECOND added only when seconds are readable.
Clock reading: h=2 m=2
